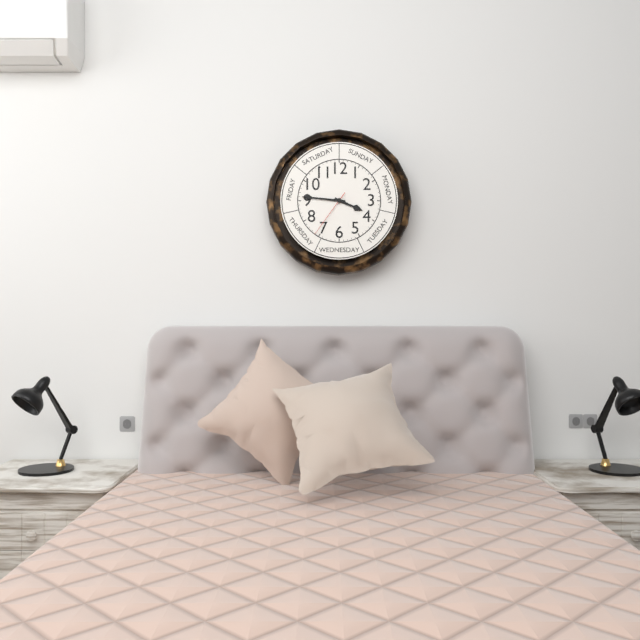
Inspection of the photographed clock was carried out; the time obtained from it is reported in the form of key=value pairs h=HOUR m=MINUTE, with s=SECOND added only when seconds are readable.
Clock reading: h=3 m=46 s=36
